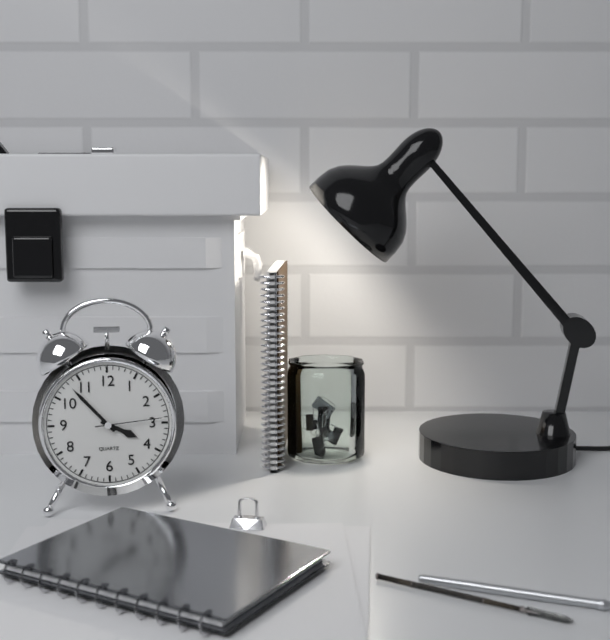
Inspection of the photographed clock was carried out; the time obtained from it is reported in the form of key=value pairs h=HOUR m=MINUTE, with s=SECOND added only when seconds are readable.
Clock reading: h=3 m=53 s=14
